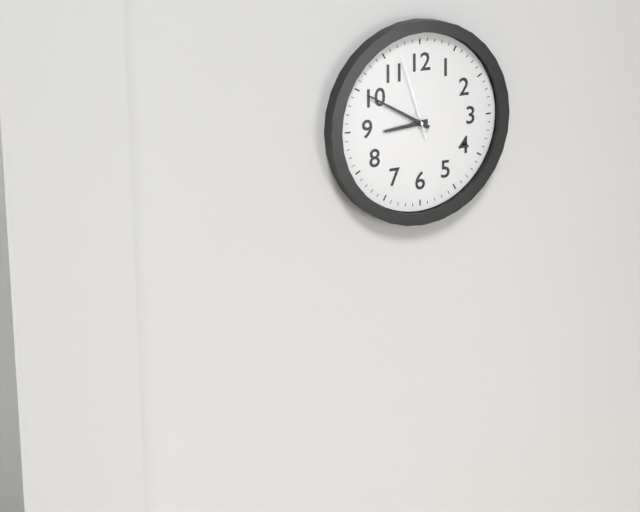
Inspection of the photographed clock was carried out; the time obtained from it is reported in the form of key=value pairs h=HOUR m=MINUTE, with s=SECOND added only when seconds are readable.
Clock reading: h=8 m=50 s=57
